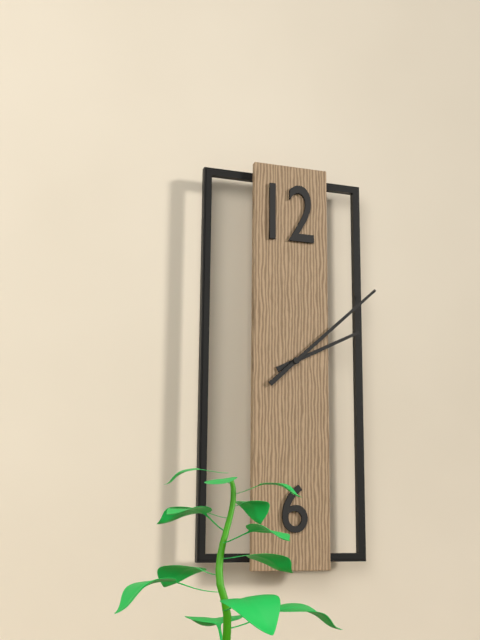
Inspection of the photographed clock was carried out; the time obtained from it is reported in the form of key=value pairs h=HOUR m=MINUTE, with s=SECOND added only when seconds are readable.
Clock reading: h=2 m=8
